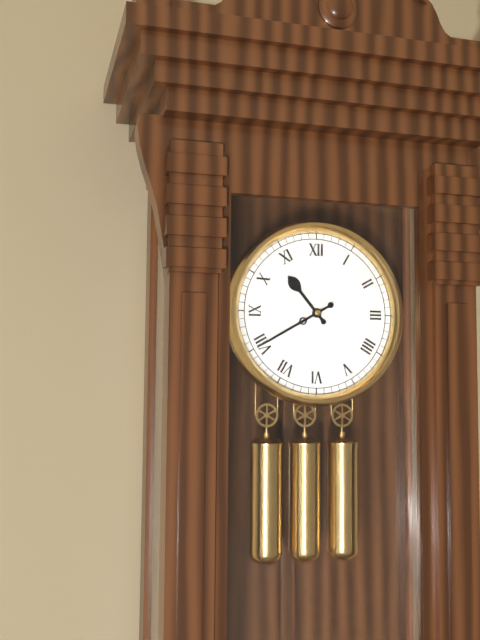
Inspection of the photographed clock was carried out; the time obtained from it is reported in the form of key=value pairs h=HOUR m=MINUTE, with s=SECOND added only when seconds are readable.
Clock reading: h=10 m=40
